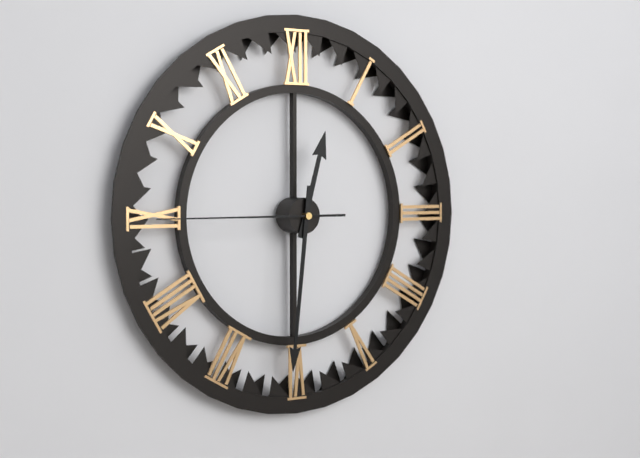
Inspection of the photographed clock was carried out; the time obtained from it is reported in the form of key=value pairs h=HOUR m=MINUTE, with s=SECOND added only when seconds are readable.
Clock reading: h=12 m=31 s=45
